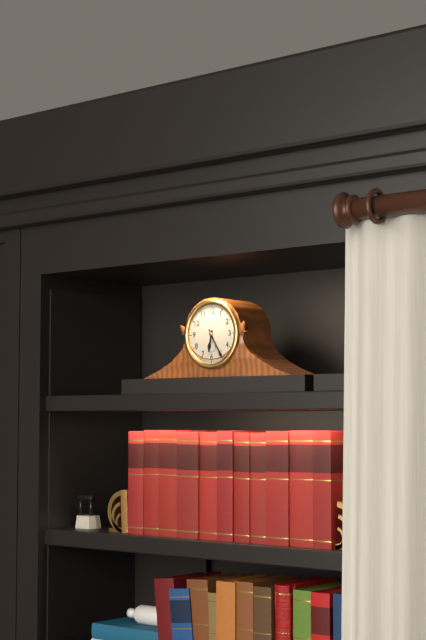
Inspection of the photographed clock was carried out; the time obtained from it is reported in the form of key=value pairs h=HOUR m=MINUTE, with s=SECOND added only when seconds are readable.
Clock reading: h=6 m=25
